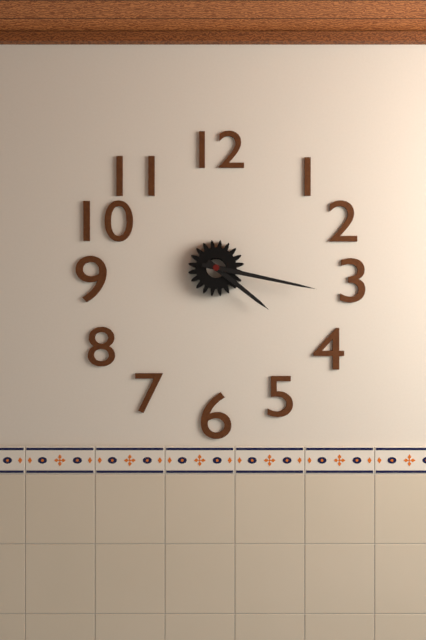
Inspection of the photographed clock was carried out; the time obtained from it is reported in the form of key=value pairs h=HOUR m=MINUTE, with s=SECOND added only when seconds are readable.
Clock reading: h=4 m=17
